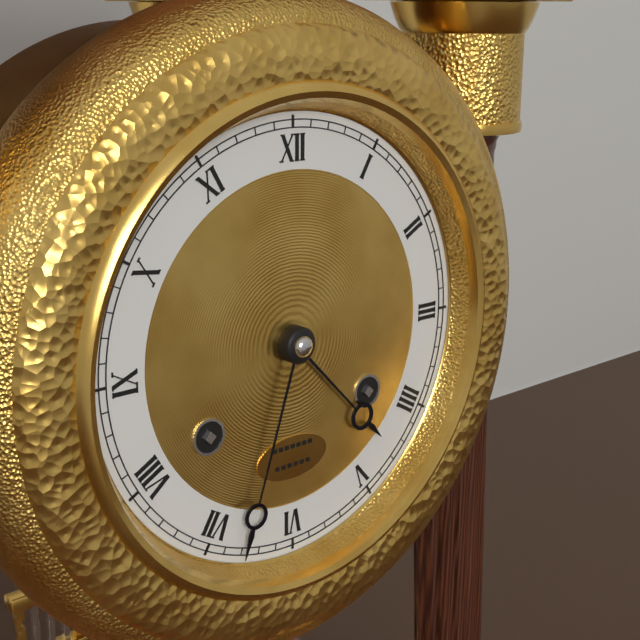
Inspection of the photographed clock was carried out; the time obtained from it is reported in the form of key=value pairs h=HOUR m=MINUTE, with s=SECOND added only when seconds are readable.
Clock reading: h=4 m=33
